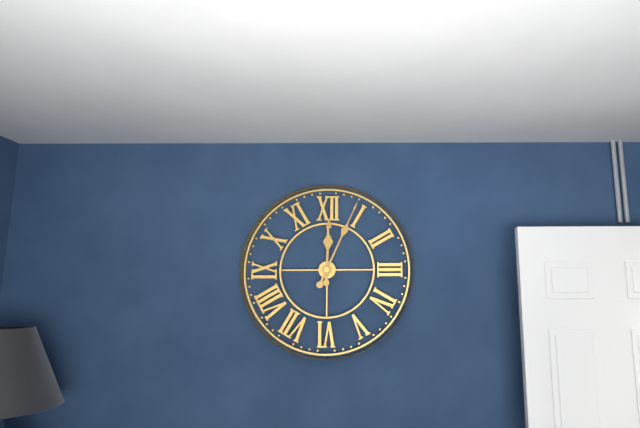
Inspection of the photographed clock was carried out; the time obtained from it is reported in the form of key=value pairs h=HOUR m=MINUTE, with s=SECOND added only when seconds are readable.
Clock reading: h=12 m=4
